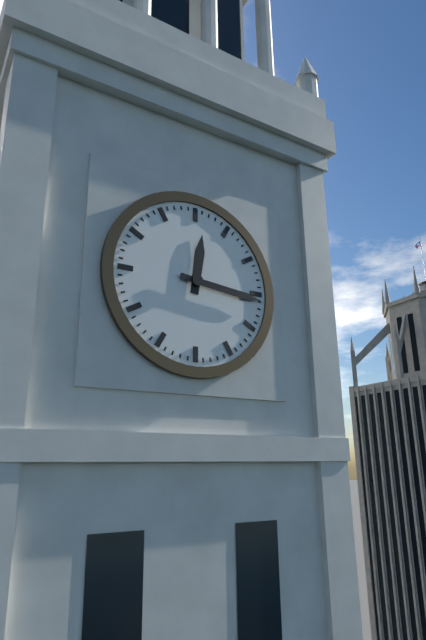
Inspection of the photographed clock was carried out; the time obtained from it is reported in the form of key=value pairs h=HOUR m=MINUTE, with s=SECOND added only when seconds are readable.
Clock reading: h=12 m=16
